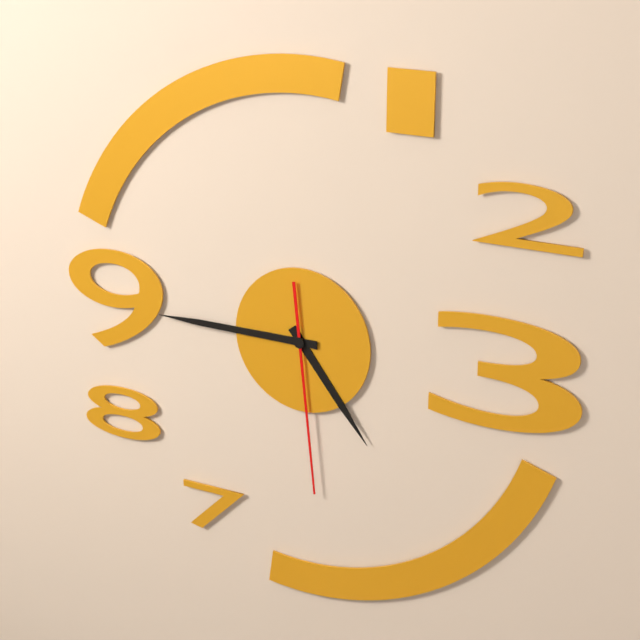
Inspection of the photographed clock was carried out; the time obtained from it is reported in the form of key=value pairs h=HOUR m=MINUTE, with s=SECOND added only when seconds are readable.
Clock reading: h=4 m=45 s=29
